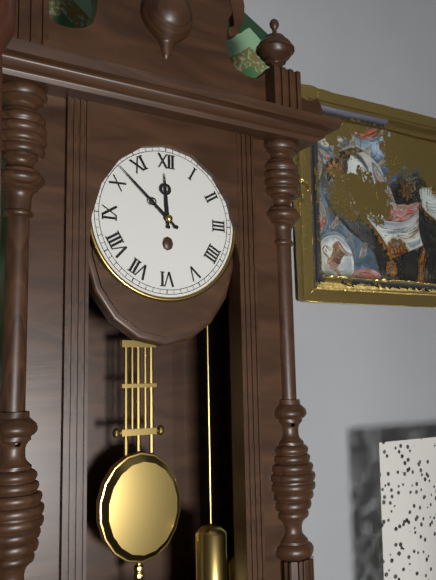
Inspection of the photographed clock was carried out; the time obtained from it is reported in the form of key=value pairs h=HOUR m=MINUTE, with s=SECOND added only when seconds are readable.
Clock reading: h=11 m=52
